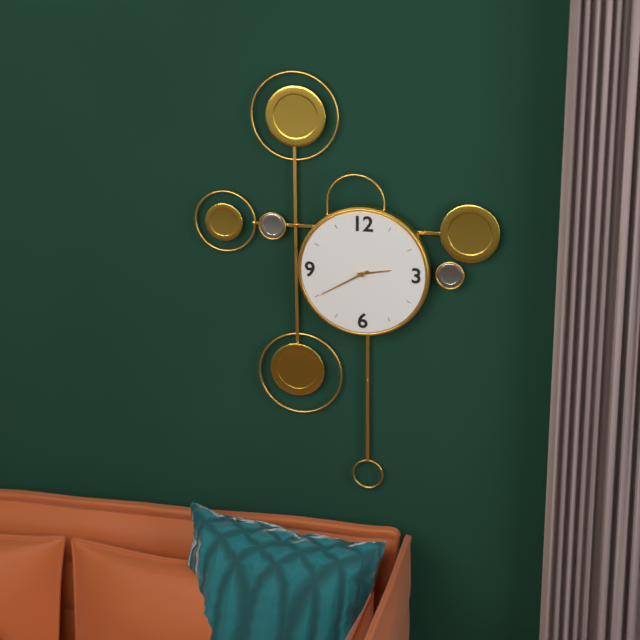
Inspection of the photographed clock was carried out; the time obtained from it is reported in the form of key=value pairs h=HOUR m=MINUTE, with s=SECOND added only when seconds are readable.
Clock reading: h=2 m=40
